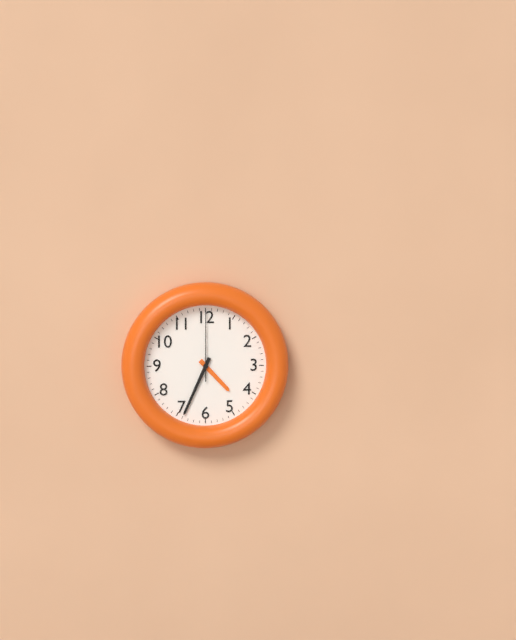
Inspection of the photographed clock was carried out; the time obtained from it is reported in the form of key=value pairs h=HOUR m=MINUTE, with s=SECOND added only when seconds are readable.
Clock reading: h=4 m=34 s=0
